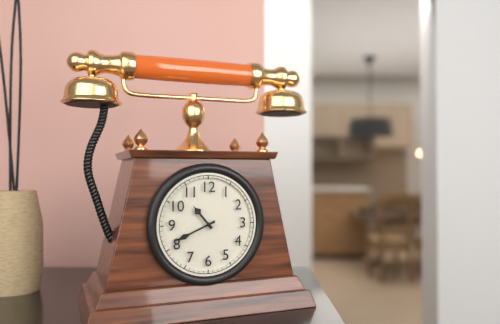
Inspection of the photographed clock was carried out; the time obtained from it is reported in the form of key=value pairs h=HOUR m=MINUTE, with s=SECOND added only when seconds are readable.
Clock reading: h=10 m=41
